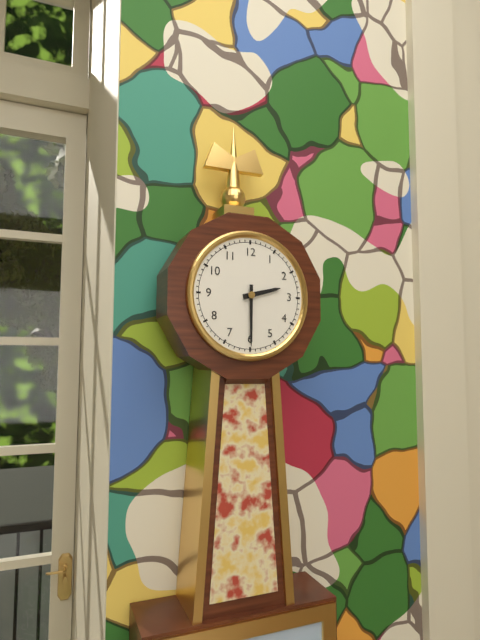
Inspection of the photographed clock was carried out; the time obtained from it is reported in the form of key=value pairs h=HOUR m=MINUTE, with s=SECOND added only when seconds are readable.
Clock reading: h=2 m=30
